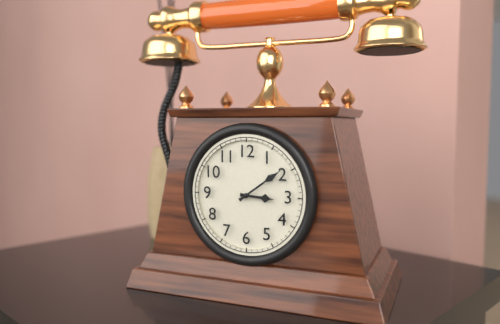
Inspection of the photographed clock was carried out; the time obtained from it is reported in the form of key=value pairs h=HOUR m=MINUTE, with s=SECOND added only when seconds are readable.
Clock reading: h=3 m=9
